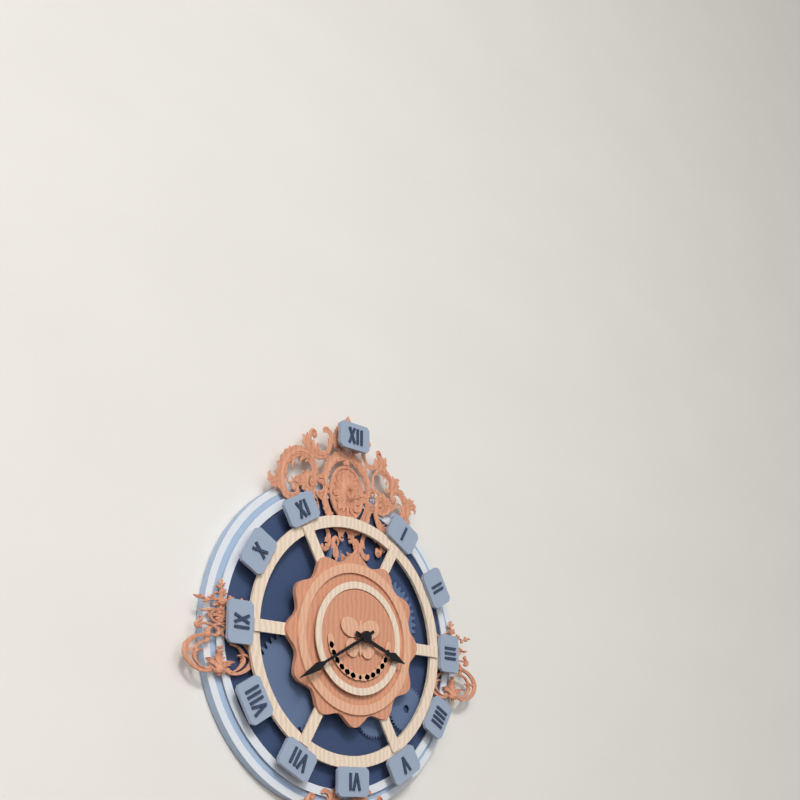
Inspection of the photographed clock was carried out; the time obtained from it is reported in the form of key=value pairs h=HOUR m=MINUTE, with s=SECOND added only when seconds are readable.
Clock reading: h=3 m=40
